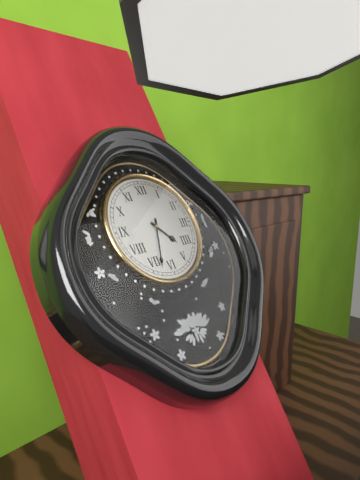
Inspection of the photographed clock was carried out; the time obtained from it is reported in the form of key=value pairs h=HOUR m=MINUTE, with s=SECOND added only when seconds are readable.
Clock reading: h=4 m=33
